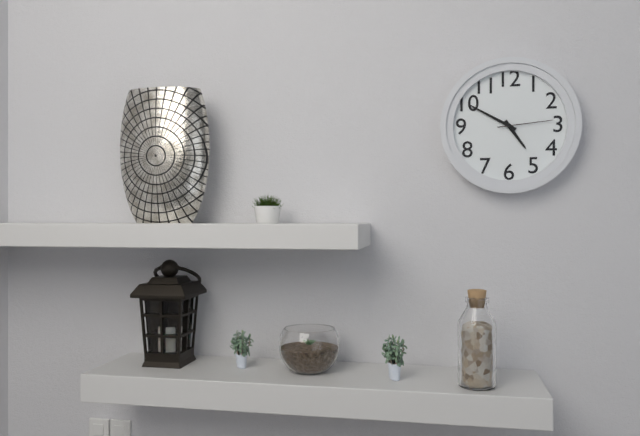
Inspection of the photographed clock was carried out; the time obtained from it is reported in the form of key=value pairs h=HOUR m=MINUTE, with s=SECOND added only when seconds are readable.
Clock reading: h=4 m=50 s=14
